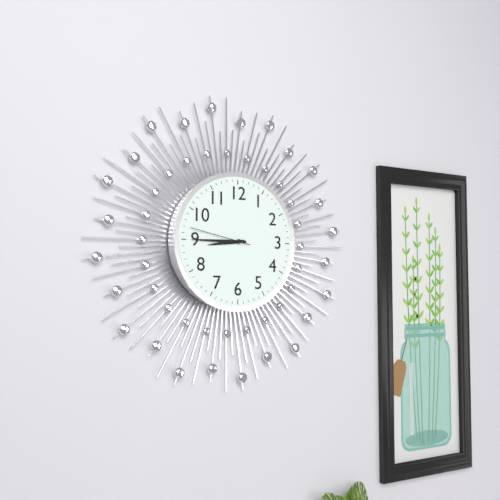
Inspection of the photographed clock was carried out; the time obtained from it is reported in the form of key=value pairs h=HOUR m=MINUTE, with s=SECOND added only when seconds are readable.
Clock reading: h=8 m=45 s=47
